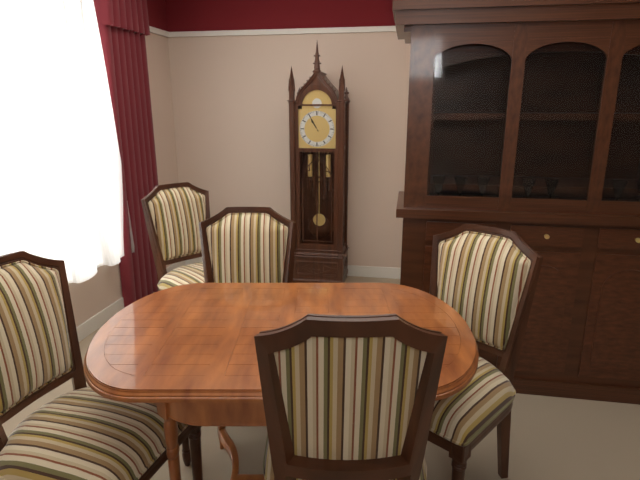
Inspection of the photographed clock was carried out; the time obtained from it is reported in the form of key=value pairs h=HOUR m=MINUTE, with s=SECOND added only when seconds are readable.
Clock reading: h=10 m=55
